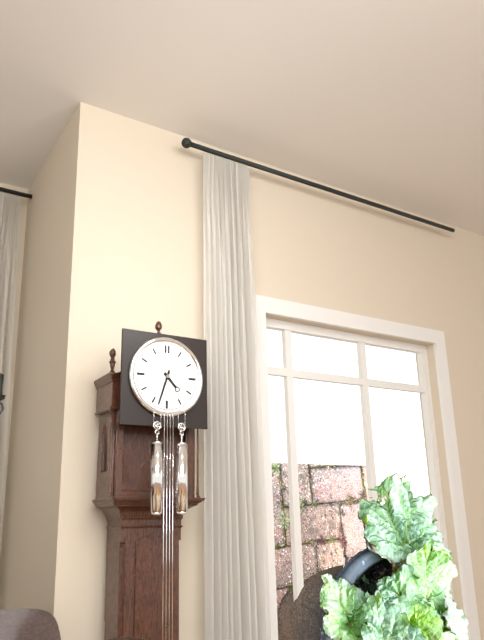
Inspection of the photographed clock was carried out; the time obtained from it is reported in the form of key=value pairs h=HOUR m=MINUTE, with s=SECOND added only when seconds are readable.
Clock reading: h=4 m=33
